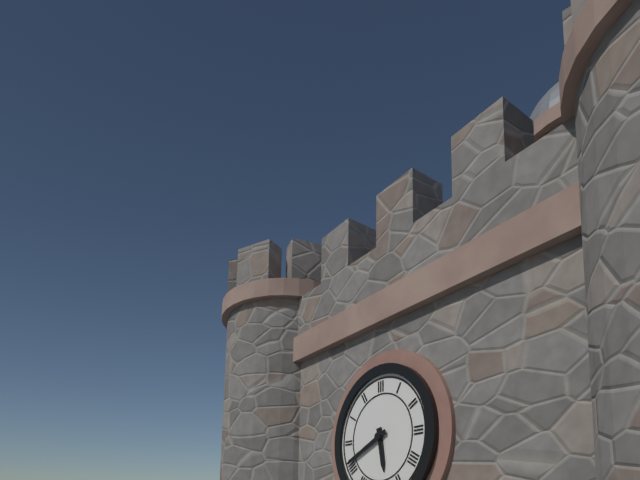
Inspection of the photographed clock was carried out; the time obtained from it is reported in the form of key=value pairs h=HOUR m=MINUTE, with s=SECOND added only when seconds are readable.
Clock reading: h=5 m=41
